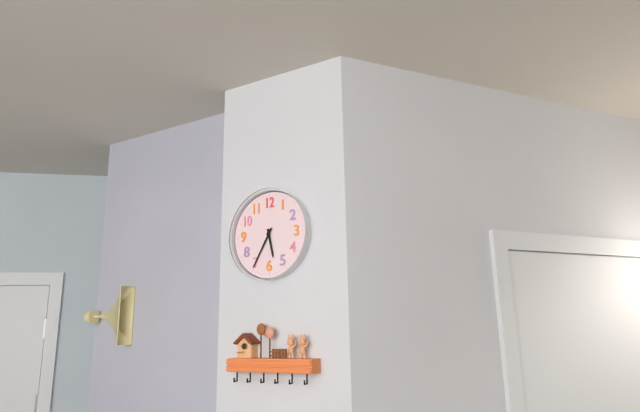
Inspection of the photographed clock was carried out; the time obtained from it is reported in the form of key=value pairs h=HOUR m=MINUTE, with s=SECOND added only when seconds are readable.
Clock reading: h=5 m=35
